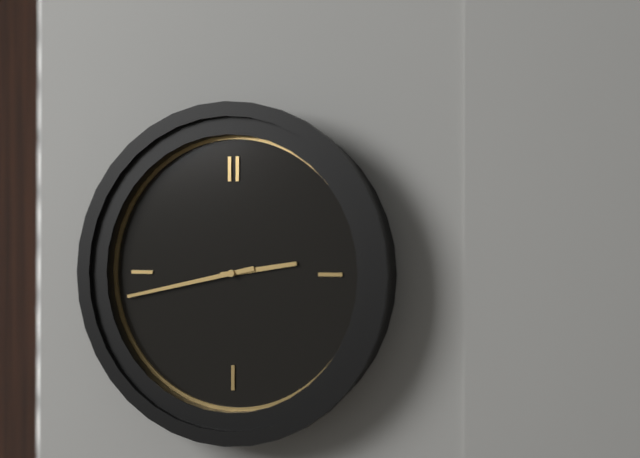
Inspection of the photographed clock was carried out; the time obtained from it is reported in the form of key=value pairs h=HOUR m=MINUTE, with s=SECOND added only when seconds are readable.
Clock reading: h=2 m=43
